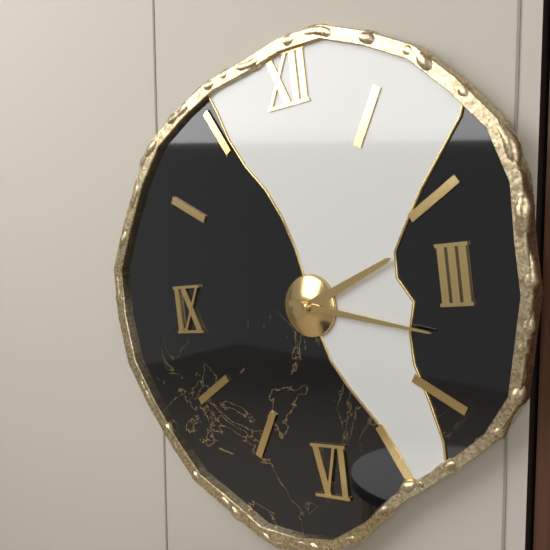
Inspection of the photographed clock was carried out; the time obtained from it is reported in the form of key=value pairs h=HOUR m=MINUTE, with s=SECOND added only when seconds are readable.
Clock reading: h=2 m=17
